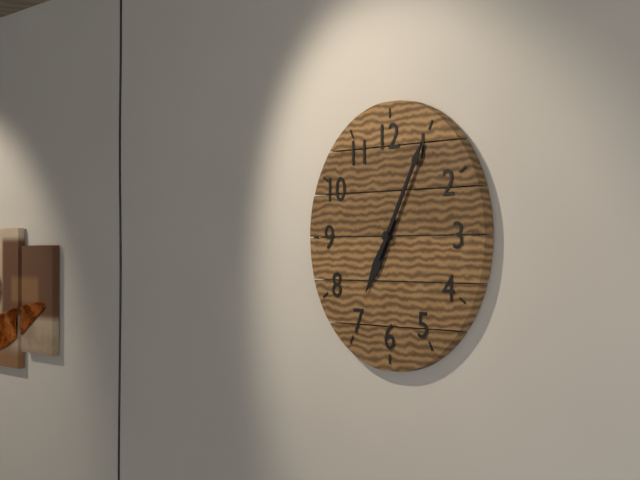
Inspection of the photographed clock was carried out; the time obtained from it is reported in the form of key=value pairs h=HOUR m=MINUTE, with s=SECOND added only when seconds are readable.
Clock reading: h=7 m=5
